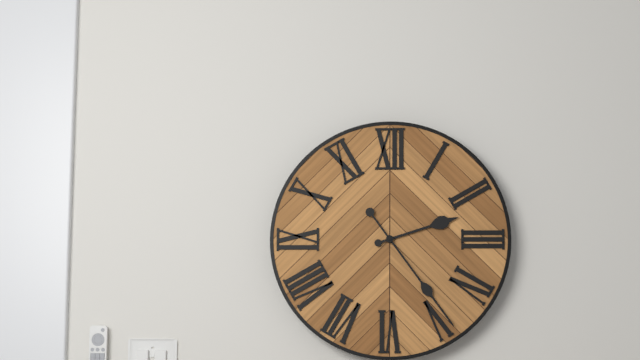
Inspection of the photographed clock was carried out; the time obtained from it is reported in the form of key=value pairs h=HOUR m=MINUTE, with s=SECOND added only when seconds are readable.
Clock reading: h=2 m=24
